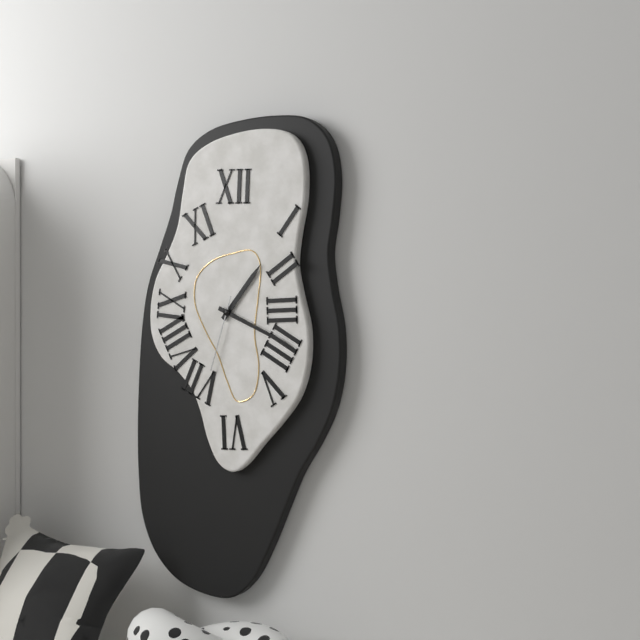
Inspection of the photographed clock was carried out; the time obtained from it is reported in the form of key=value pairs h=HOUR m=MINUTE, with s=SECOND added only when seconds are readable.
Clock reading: h=1 m=19 s=33
